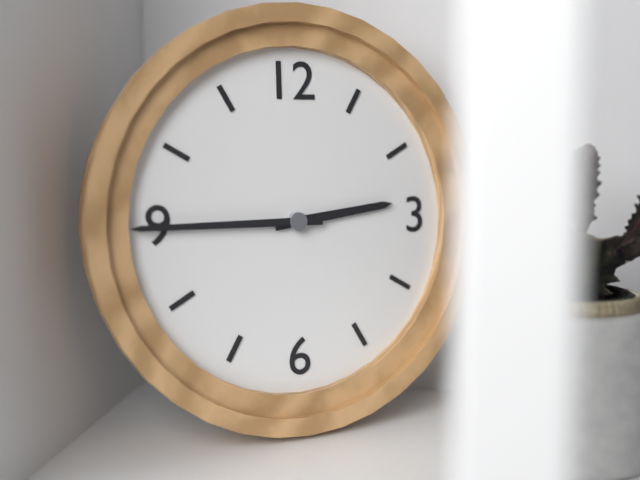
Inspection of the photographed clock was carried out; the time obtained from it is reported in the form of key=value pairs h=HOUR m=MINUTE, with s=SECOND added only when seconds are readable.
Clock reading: h=2 m=45
